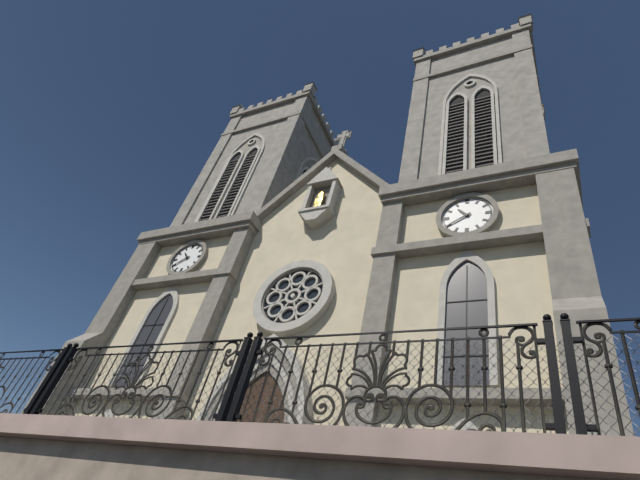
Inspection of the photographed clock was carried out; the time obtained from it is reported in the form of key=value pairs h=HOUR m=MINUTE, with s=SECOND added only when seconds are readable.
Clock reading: h=10 m=40
